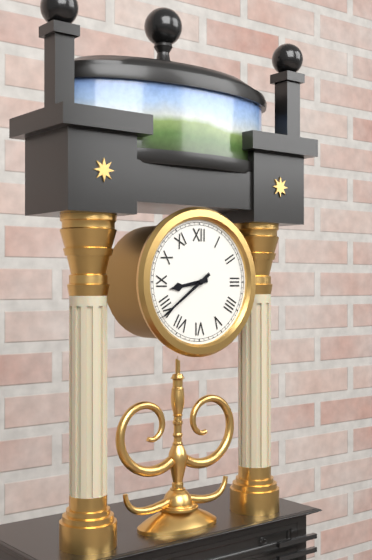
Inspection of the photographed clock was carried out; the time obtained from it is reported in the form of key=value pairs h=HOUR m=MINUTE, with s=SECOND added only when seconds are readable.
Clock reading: h=8 m=39
